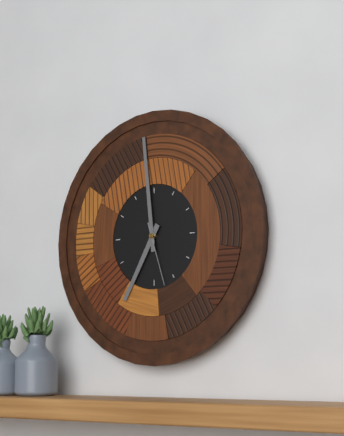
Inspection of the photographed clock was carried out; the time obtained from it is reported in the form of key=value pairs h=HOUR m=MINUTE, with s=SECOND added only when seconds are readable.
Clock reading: h=6 m=59 s=27
